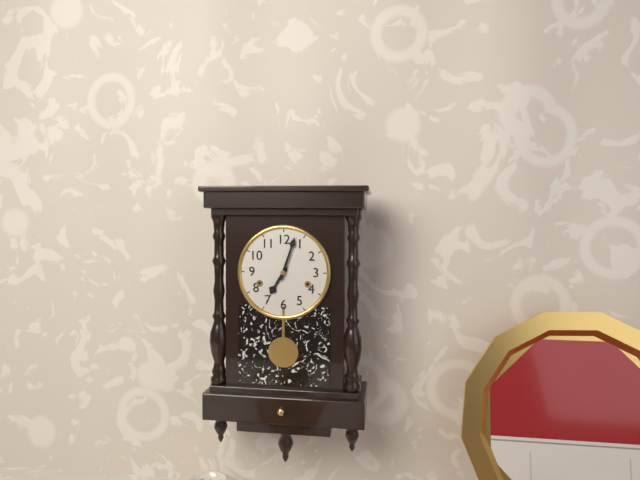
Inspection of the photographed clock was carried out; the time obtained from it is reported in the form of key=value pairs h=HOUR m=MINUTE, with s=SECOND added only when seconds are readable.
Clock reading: h=7 m=3
